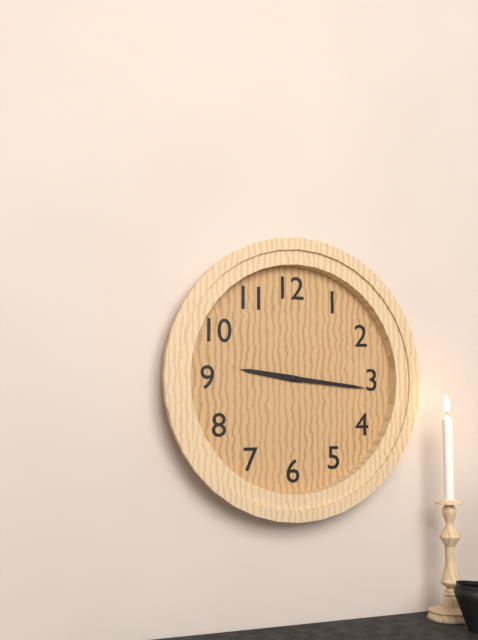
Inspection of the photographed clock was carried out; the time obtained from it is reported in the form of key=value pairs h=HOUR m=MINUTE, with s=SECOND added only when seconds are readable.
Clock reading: h=9 m=16
